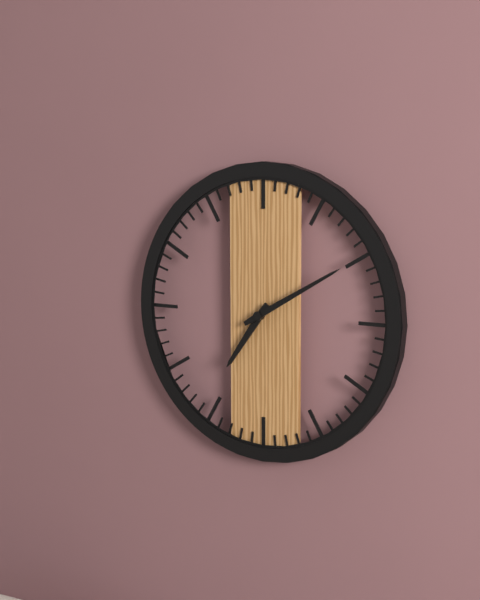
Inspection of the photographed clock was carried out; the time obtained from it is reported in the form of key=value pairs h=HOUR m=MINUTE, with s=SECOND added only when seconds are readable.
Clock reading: h=7 m=10
